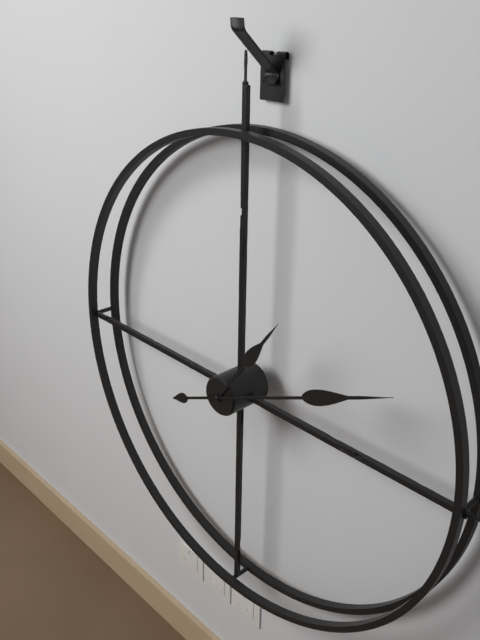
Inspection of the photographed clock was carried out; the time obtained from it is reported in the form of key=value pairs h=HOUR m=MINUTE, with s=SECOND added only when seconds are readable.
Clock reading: h=1 m=11
